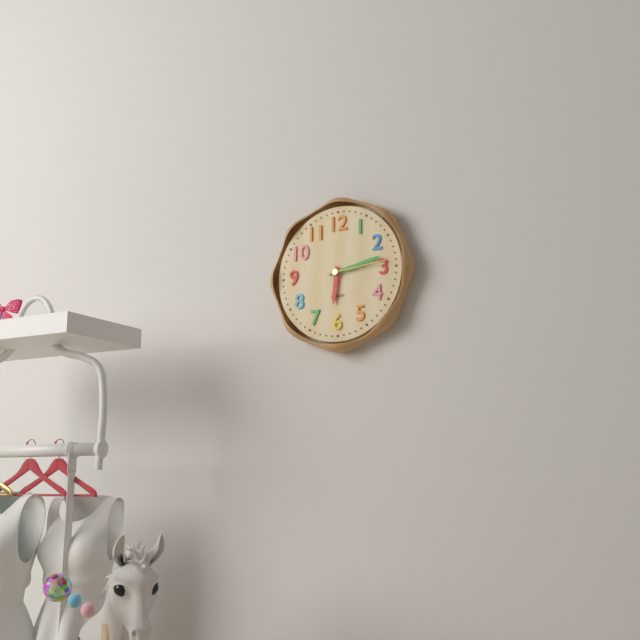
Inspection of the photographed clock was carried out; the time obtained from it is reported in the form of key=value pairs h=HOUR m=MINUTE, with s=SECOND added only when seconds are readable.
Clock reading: h=6 m=13 s=14
